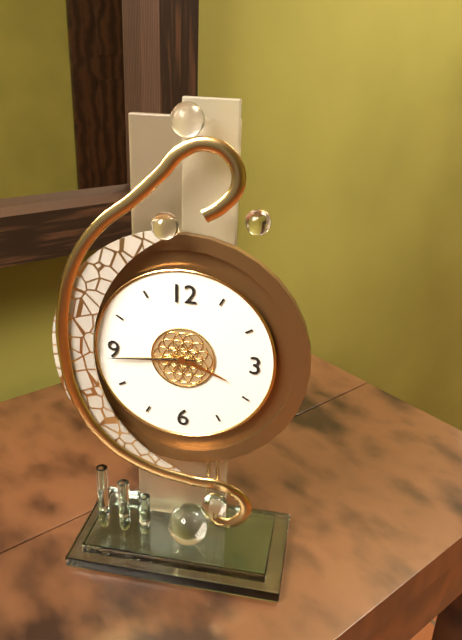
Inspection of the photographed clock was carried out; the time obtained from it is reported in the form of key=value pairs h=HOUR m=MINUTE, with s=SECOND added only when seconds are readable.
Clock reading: h=3 m=44 s=44
